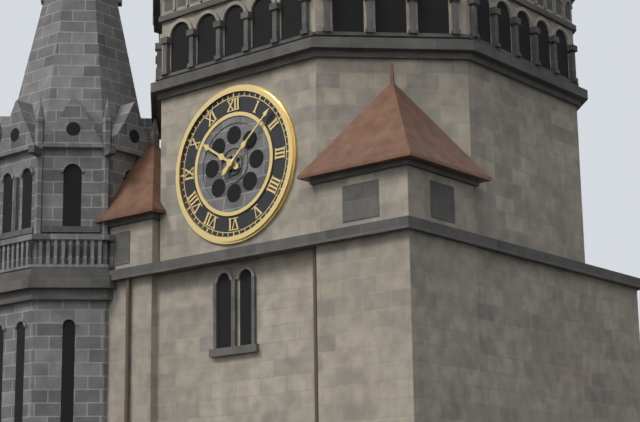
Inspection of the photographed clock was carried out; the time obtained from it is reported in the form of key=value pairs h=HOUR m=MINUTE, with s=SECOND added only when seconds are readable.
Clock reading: h=10 m=8
